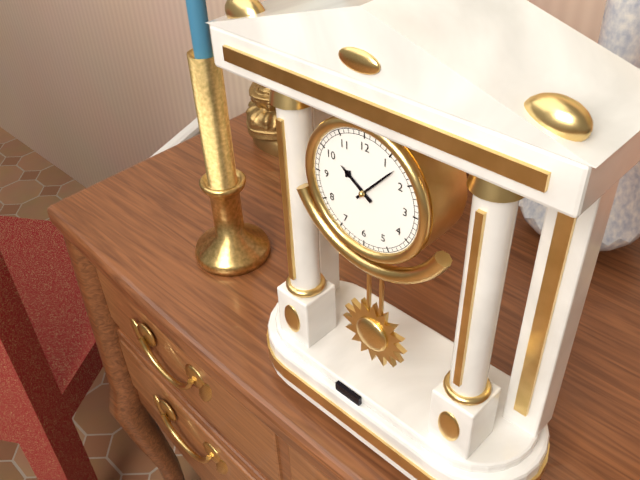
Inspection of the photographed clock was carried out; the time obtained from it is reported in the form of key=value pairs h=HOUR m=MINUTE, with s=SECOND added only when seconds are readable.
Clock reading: h=10 m=7
